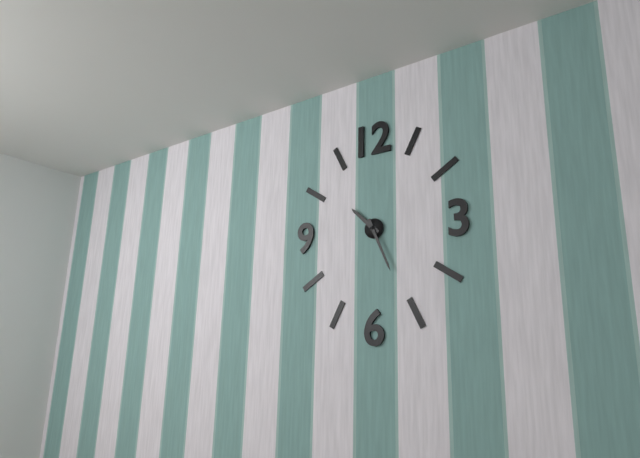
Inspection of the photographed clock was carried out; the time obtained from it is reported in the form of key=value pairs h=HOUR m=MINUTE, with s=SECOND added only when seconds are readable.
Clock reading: h=10 m=26
